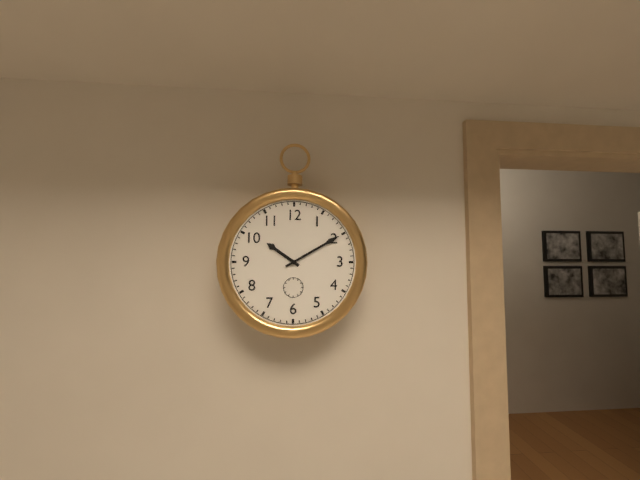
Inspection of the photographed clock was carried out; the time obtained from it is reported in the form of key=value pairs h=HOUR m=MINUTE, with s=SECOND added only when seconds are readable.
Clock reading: h=10 m=10
